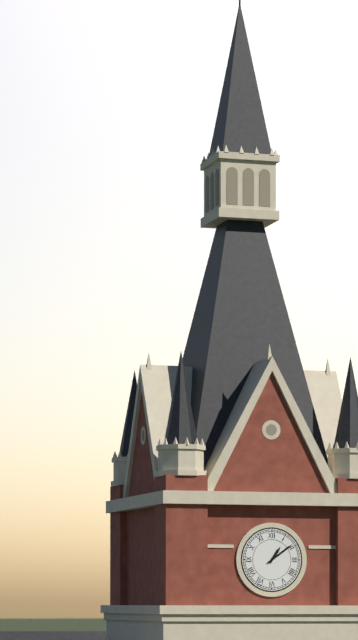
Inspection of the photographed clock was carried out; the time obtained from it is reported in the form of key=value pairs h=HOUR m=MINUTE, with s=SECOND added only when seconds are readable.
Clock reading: h=1 m=9
